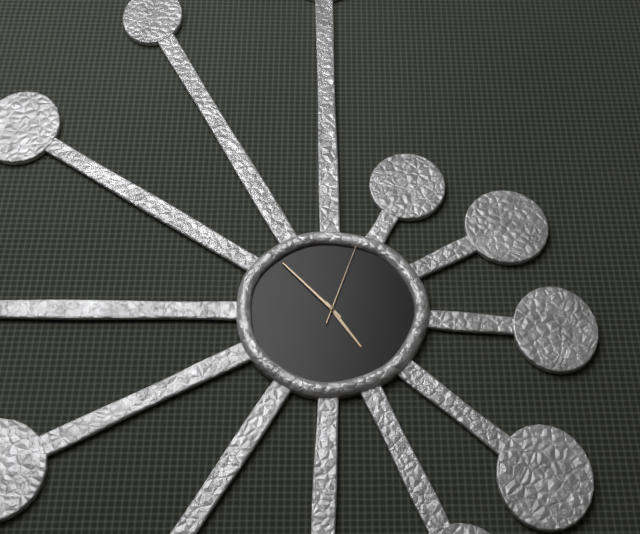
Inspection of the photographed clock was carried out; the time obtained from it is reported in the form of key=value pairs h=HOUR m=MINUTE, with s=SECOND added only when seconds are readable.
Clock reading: h=4 m=53 s=3
